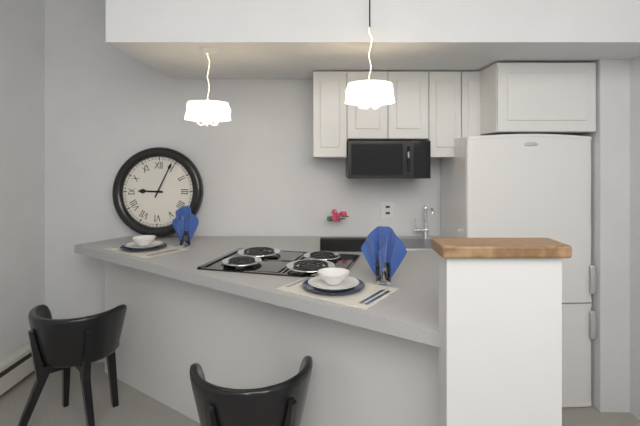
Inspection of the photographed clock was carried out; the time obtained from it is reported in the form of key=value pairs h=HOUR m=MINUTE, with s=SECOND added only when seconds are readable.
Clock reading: h=9 m=4
